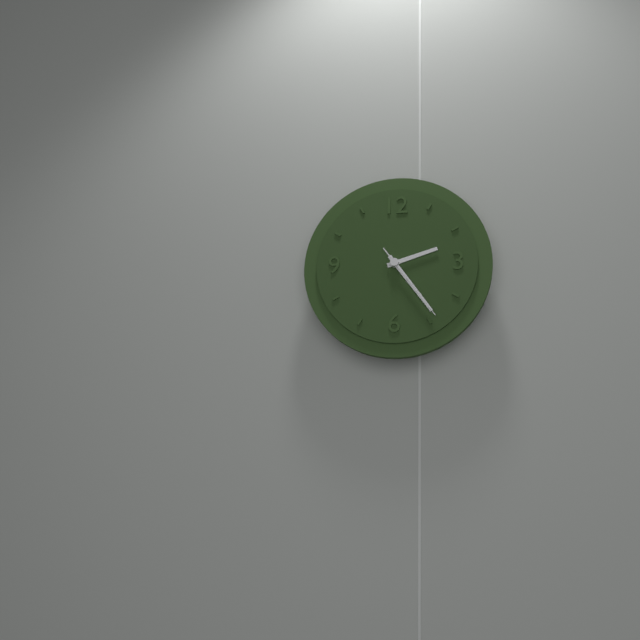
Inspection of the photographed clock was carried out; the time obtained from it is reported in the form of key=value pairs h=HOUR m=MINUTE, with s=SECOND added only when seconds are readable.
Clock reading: h=2 m=24 s=24
